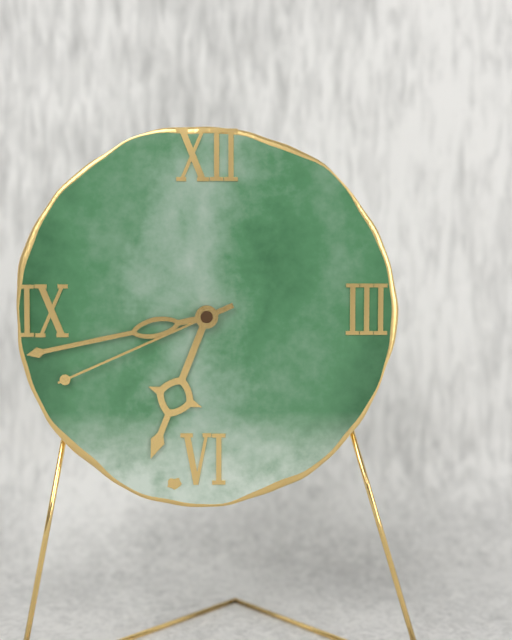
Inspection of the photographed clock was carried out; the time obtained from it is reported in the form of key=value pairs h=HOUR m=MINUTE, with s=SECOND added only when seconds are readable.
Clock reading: h=6 m=43 s=41
